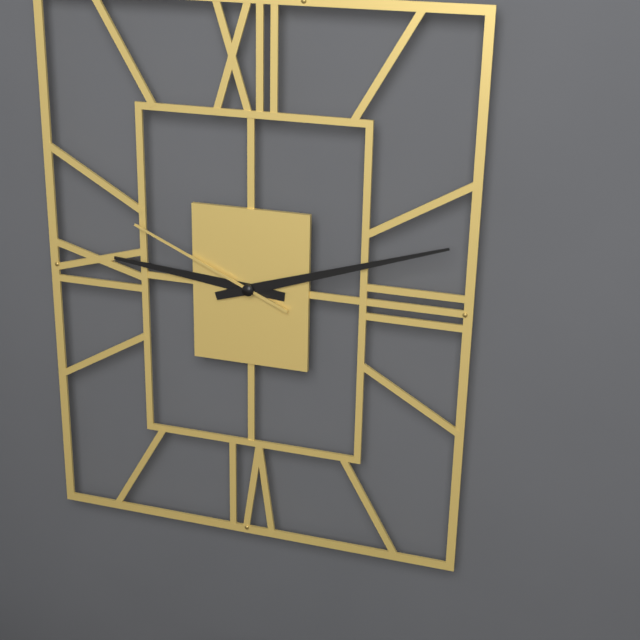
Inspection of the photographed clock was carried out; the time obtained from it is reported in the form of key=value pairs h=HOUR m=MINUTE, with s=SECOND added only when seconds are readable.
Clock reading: h=9 m=12 s=49
